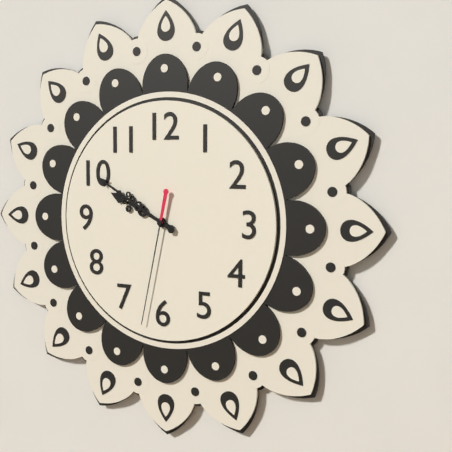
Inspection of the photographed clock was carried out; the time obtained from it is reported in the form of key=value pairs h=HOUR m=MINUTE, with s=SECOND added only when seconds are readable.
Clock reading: h=9 m=50 s=32
